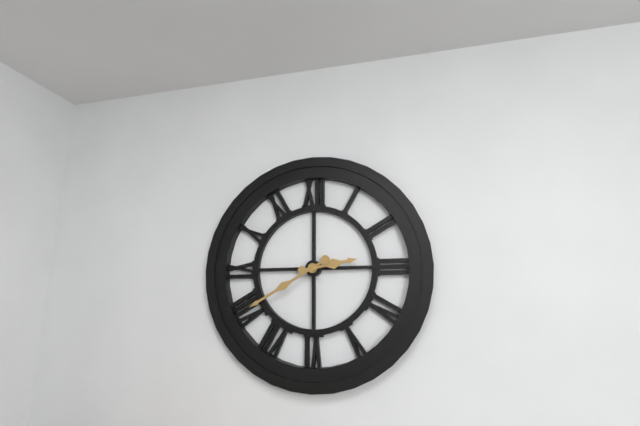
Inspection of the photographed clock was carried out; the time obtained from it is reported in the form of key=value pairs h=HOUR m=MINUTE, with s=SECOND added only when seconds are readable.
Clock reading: h=2 m=40
